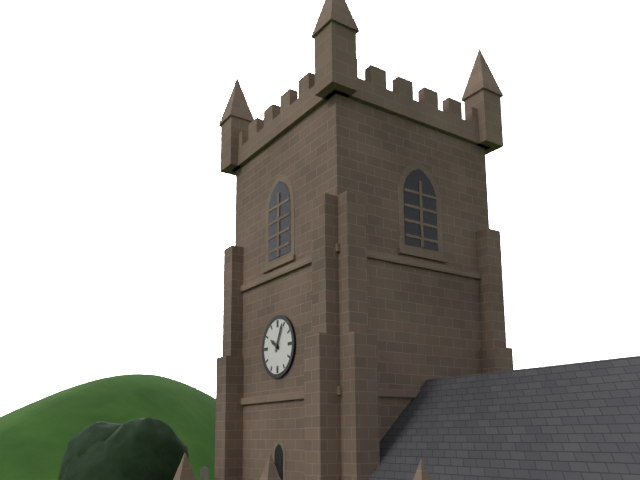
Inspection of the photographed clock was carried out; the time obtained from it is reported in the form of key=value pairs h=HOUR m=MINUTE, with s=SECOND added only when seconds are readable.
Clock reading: h=10 m=4
